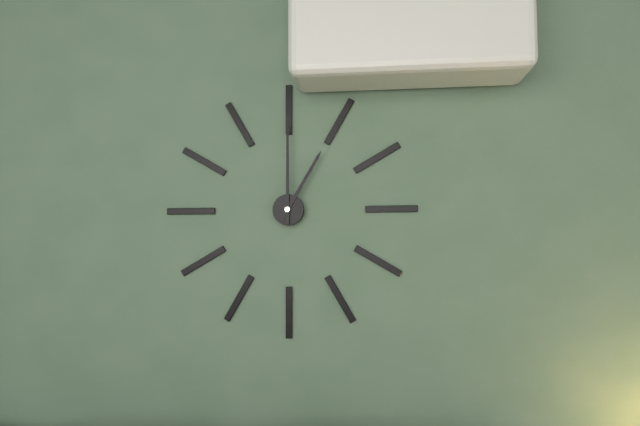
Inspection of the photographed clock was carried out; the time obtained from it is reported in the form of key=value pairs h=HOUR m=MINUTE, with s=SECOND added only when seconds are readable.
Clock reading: h=1 m=0
